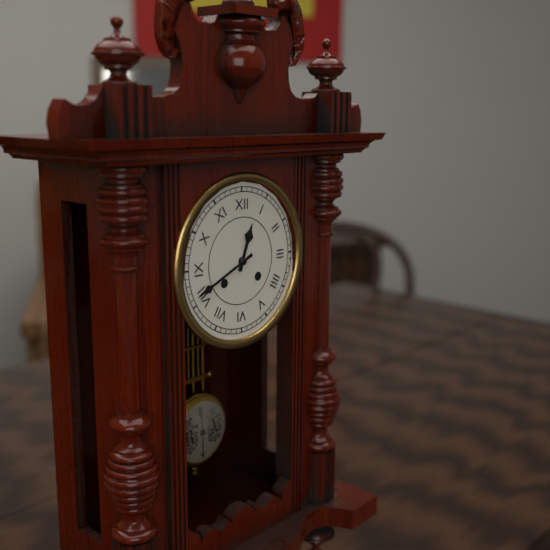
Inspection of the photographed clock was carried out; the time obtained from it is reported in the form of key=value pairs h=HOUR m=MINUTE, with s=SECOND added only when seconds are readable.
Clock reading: h=12 m=41
